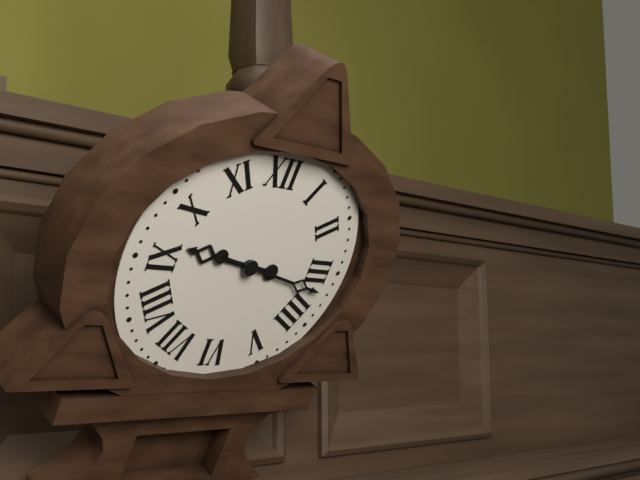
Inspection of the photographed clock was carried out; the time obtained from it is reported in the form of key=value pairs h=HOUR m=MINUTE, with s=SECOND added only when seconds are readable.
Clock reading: h=9 m=17
